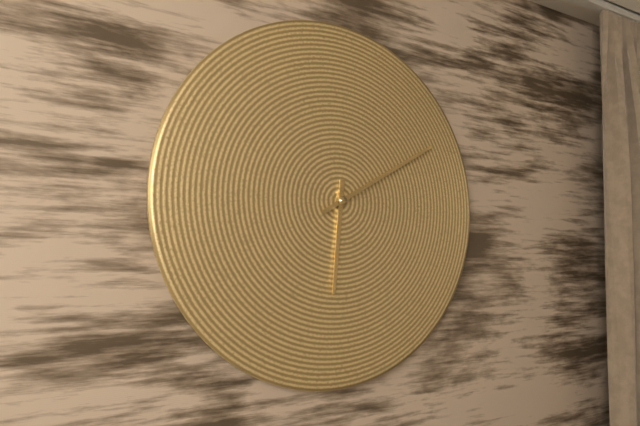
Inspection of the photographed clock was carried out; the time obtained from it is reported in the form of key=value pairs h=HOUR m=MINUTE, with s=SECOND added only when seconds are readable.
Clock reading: h=6 m=10
